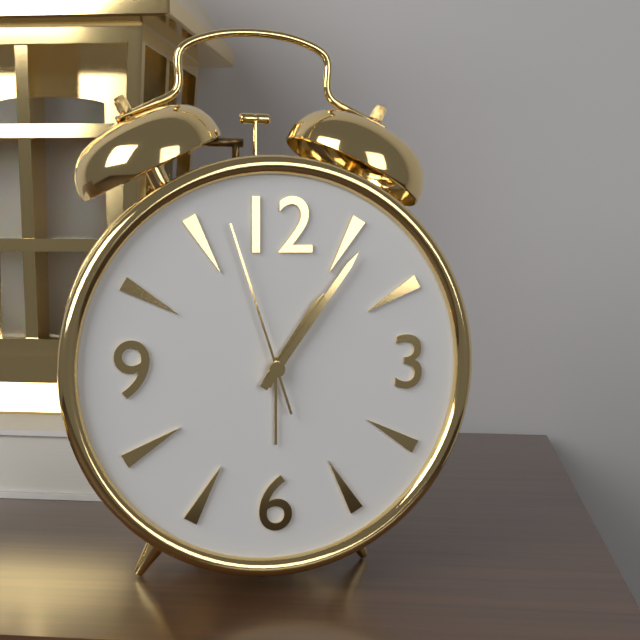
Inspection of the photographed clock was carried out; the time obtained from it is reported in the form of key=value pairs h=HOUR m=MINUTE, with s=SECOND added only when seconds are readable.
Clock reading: h=1 m=6 s=57
